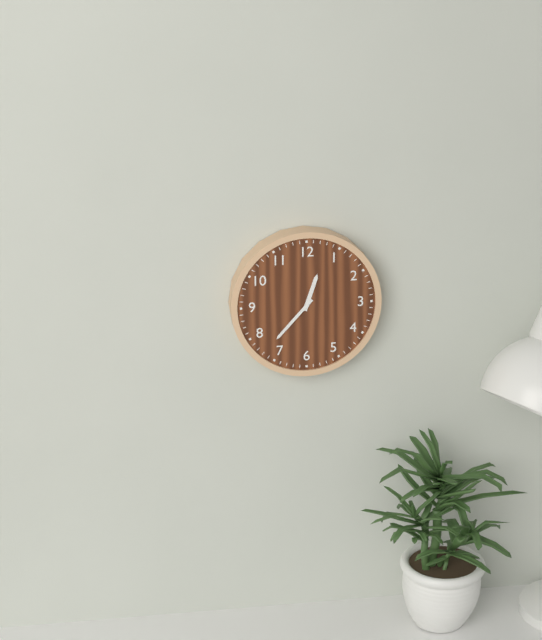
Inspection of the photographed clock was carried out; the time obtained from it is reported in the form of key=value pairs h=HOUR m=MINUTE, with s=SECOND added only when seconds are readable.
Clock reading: h=12 m=37
